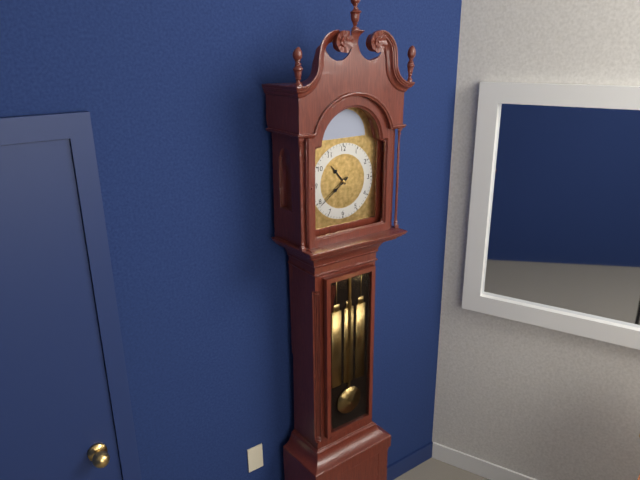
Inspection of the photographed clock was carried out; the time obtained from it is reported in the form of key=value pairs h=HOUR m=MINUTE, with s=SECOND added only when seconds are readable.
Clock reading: h=10 m=39
